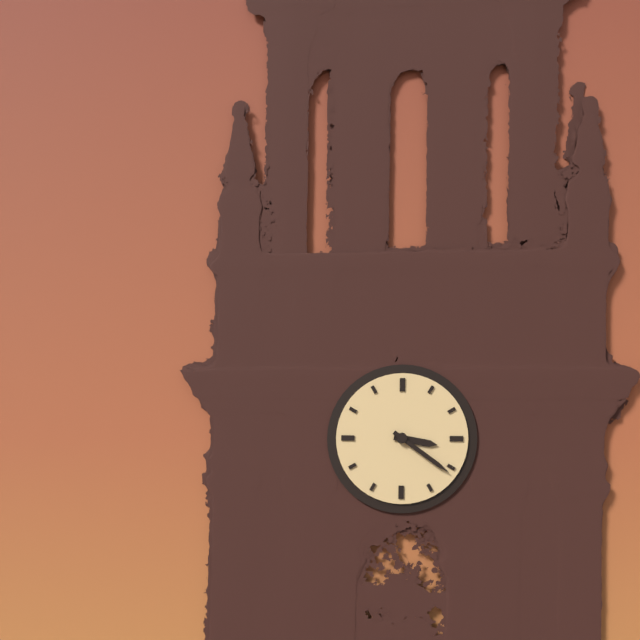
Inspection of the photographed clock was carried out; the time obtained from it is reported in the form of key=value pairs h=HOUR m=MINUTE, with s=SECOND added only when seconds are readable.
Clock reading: h=3 m=21
